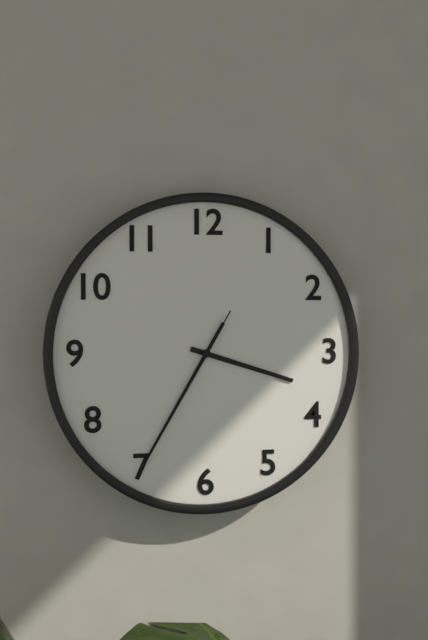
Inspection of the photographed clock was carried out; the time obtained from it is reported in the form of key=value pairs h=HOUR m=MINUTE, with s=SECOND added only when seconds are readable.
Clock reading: h=3 m=35 s=35
